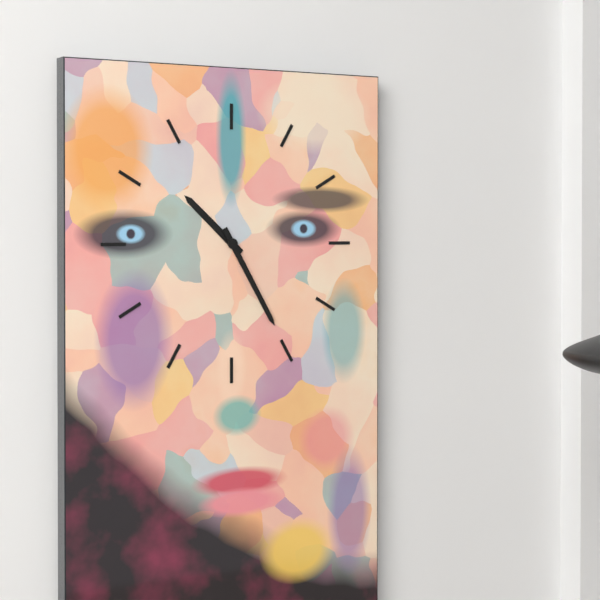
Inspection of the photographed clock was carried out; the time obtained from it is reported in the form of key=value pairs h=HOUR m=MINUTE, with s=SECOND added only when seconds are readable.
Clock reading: h=10 m=25
